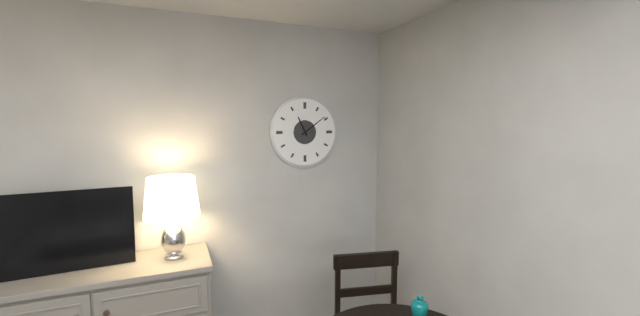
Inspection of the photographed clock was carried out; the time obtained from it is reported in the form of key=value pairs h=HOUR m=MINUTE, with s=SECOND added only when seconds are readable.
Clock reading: h=11 m=9
